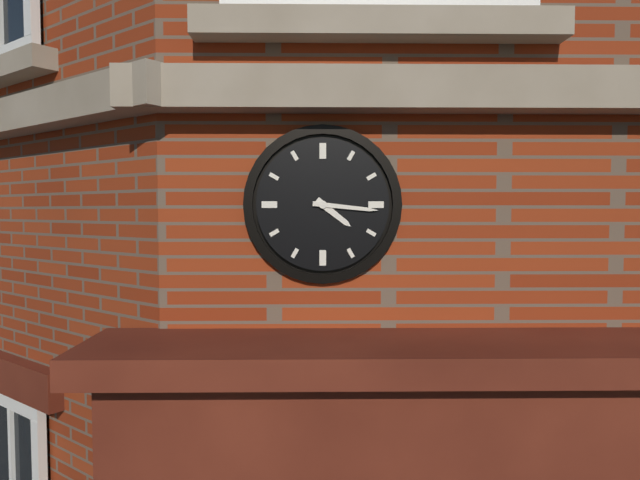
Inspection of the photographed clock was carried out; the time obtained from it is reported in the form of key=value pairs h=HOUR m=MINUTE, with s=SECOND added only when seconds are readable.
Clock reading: h=4 m=16
